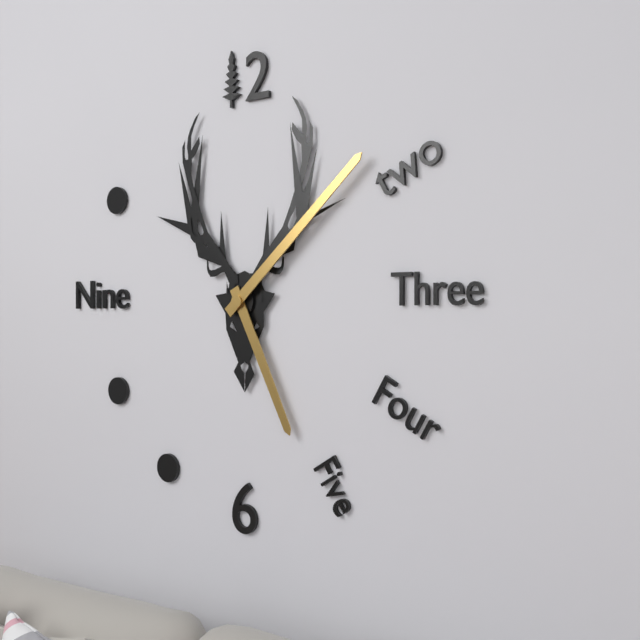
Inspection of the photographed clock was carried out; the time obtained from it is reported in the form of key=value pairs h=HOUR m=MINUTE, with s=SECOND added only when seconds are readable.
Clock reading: h=5 m=8
